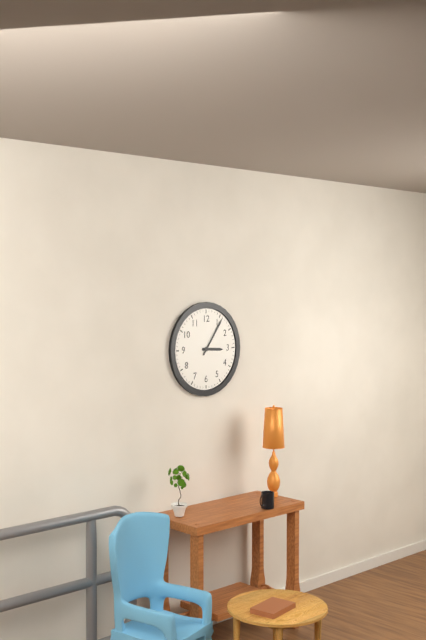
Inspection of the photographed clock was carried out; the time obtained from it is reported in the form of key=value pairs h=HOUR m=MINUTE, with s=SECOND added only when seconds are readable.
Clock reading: h=3 m=6
